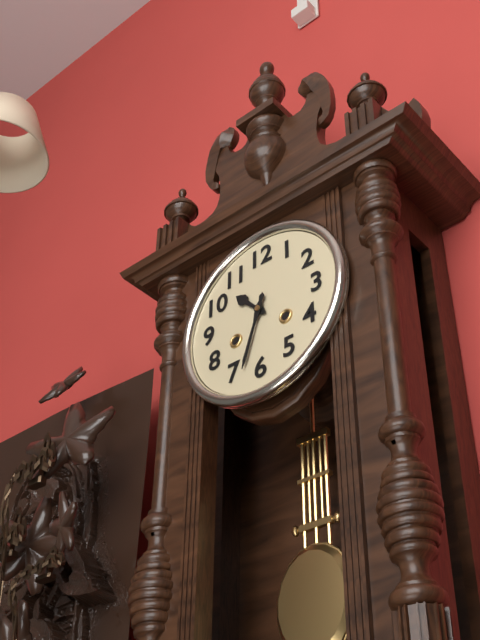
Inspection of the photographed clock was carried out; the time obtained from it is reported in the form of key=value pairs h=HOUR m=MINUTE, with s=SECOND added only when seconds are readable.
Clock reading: h=10 m=33
